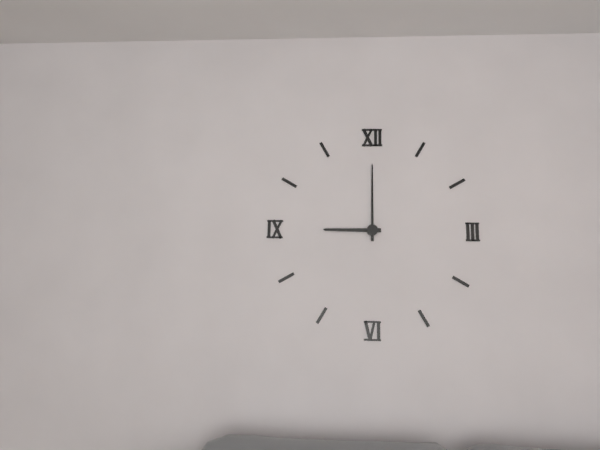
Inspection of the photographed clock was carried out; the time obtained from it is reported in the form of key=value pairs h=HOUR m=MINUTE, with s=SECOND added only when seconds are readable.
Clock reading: h=9 m=0
